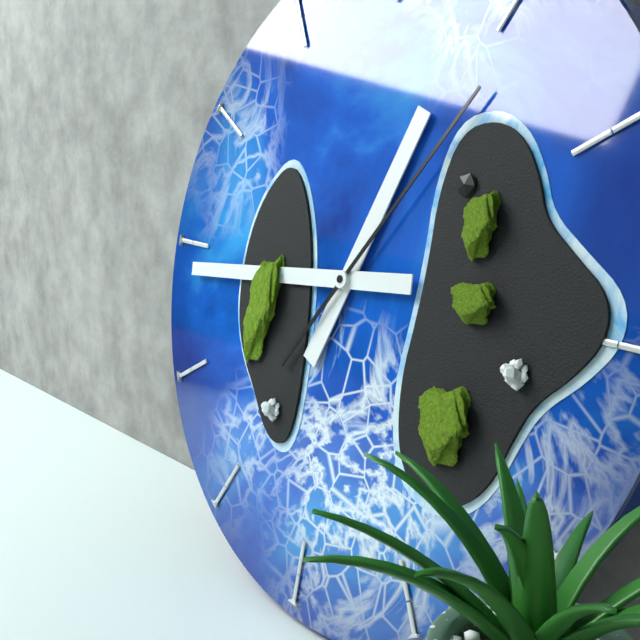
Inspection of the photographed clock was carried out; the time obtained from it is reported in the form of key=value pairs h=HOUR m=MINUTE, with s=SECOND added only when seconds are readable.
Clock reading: h=12 m=44 s=6
